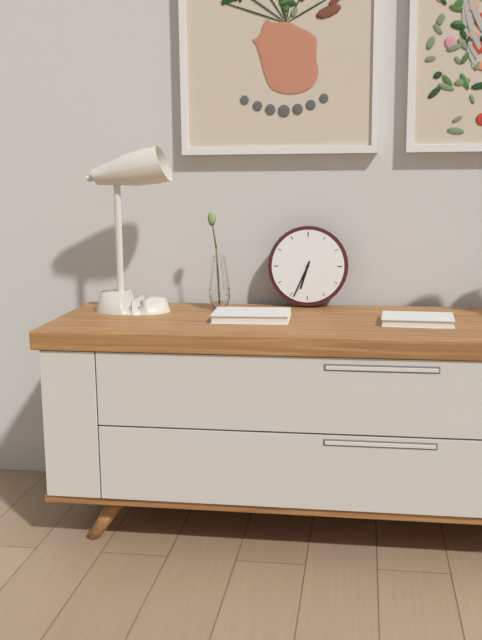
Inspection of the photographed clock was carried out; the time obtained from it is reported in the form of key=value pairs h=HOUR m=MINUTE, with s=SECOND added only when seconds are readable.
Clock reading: h=6 m=34
